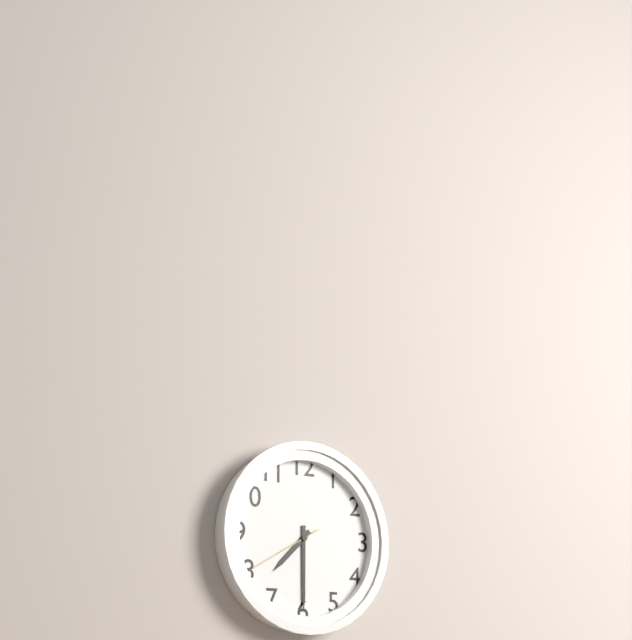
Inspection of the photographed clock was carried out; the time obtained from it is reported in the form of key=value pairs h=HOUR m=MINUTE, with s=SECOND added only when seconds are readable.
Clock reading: h=7 m=30 s=40
